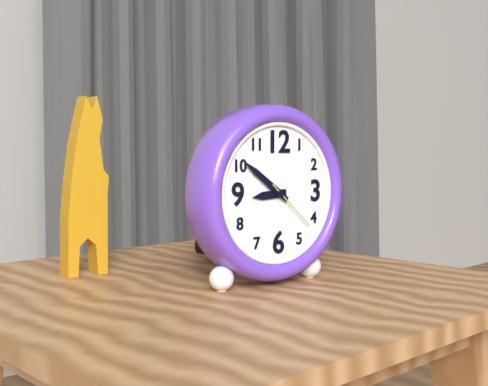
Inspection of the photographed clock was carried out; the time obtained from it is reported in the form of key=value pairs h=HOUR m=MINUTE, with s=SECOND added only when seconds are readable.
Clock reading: h=8 m=51 s=22
